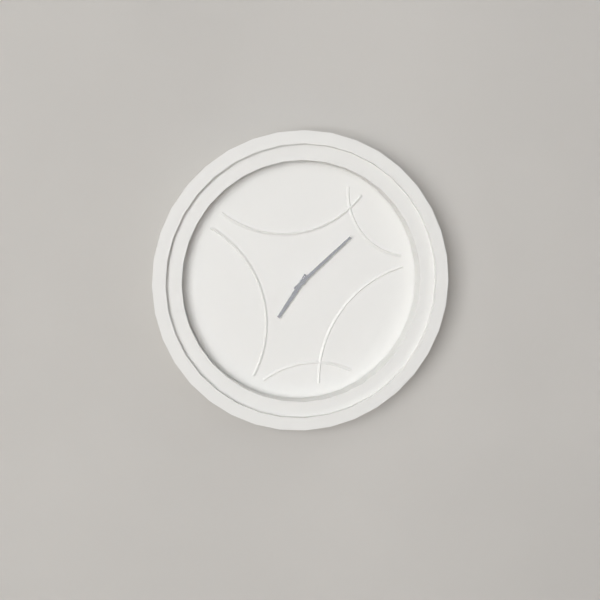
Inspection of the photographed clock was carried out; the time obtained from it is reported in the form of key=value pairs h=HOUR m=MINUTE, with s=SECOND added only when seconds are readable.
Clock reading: h=7 m=8
